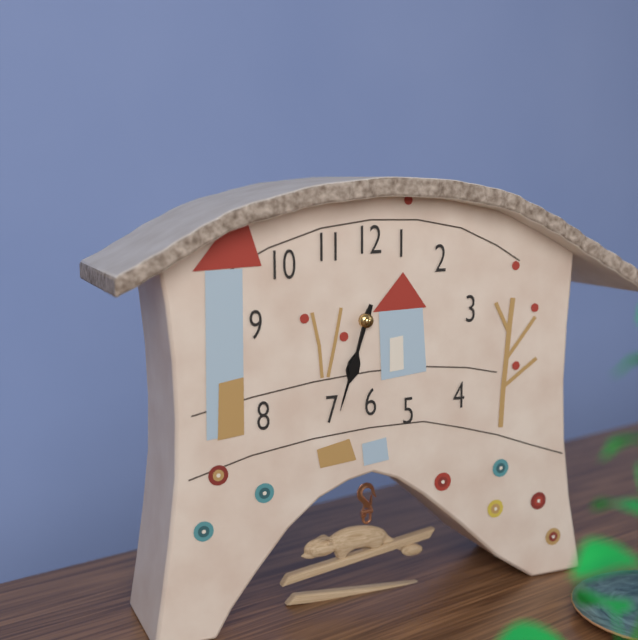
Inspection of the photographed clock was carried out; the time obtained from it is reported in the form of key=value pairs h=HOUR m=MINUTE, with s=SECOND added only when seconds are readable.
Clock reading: h=6 m=33
